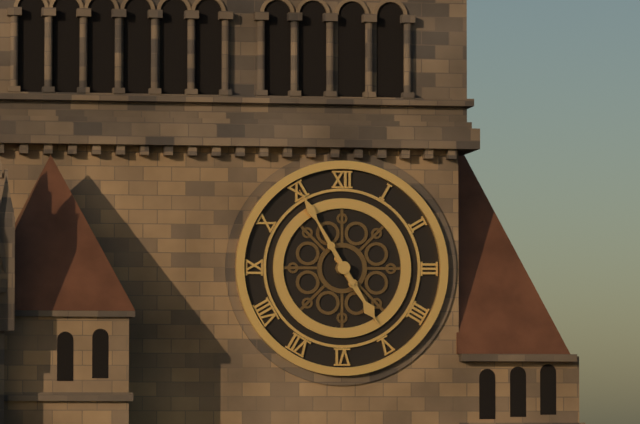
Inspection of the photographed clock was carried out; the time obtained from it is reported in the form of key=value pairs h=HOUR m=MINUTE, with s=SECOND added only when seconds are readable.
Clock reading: h=4 m=55
